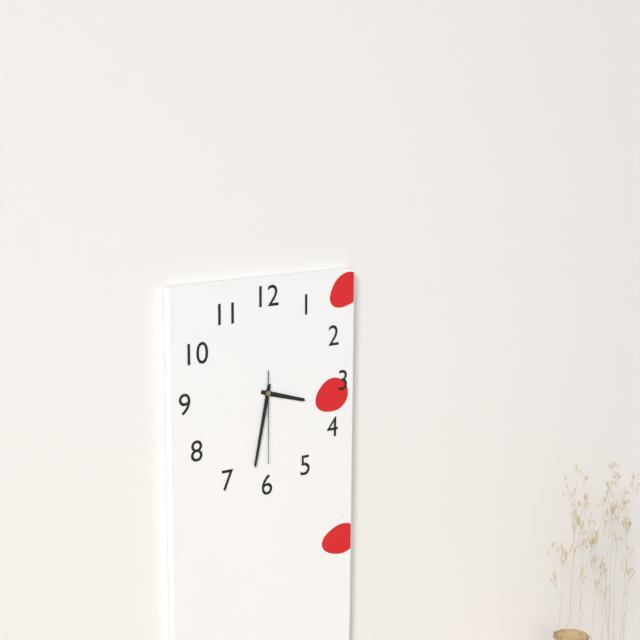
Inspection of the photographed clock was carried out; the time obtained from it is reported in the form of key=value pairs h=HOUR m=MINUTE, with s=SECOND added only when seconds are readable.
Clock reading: h=3 m=32 s=30
